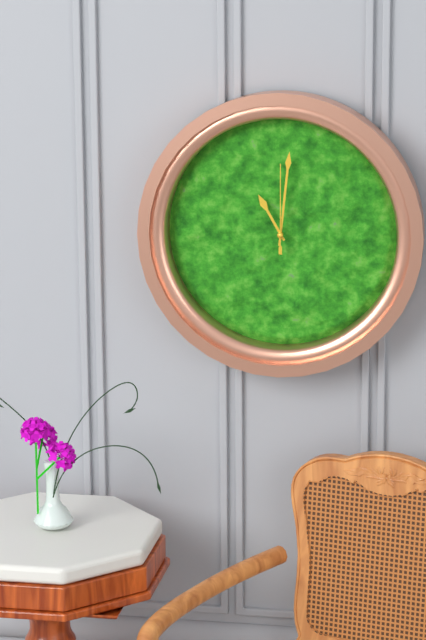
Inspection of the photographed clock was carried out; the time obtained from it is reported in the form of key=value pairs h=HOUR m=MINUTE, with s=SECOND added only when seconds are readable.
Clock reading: h=11 m=1 s=0
